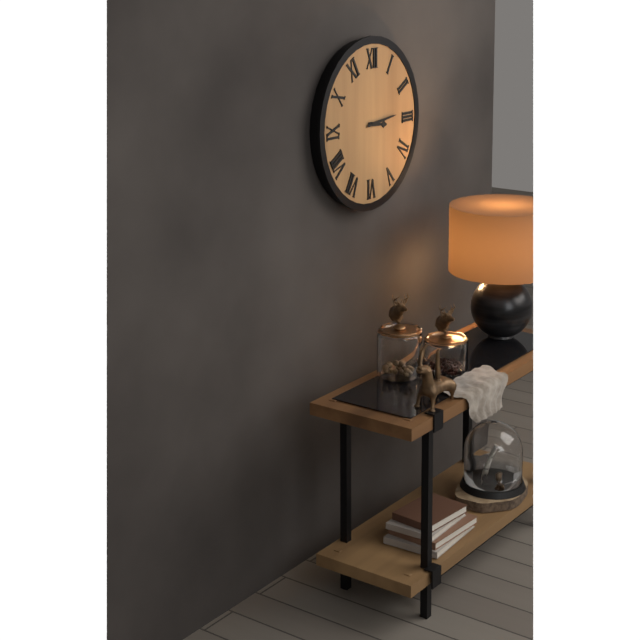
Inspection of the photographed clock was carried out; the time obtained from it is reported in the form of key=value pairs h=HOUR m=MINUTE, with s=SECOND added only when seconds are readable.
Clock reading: h=3 m=14
